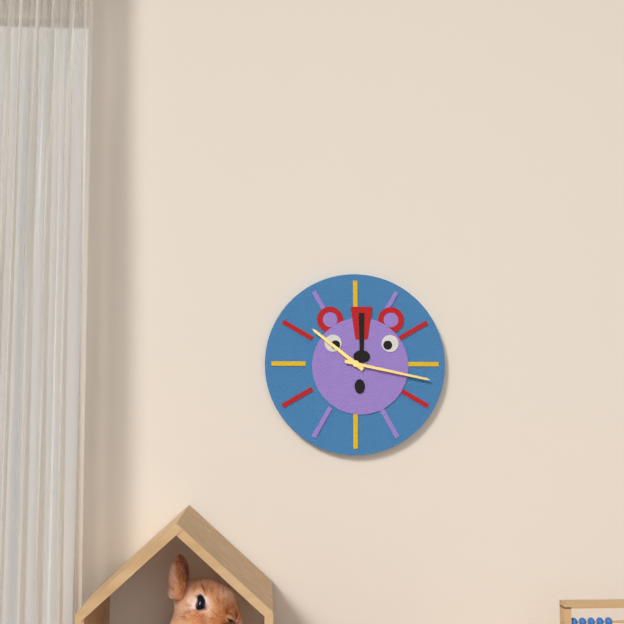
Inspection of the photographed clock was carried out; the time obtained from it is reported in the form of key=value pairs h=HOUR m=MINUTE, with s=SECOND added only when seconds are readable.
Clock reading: h=10 m=17
